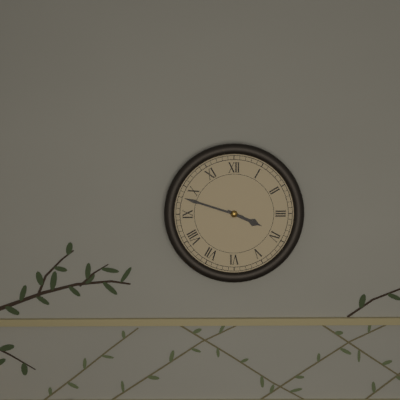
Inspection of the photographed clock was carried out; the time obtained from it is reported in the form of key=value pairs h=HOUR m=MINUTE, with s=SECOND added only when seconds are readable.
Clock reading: h=3 m=48
